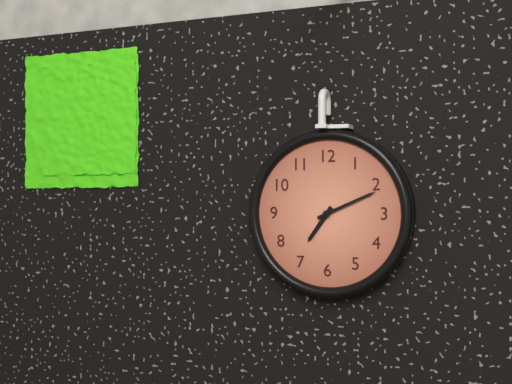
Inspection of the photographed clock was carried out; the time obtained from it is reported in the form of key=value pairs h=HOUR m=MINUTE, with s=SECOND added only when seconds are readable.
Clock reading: h=7 m=11
